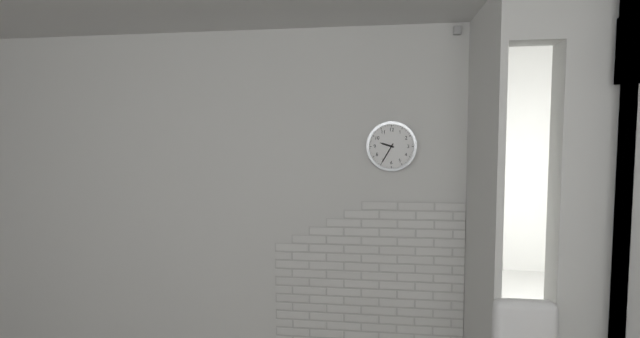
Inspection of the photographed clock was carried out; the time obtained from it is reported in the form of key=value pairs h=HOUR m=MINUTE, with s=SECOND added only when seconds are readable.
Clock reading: h=9 m=35
